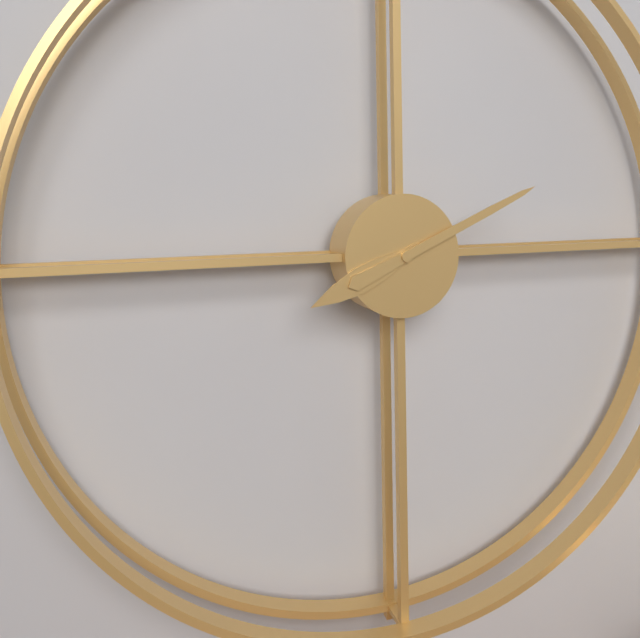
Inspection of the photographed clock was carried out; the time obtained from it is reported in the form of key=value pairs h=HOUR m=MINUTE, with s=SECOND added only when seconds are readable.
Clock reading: h=8 m=11
